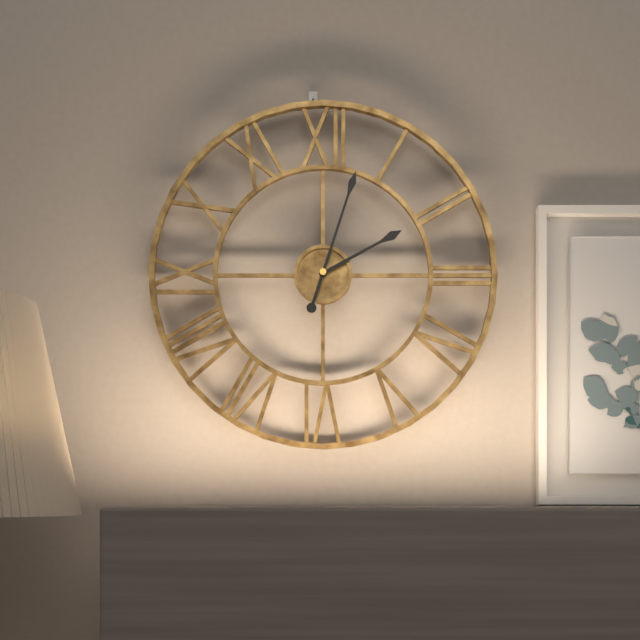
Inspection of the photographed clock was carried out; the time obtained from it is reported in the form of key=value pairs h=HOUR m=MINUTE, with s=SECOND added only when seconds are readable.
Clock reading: h=2 m=3
